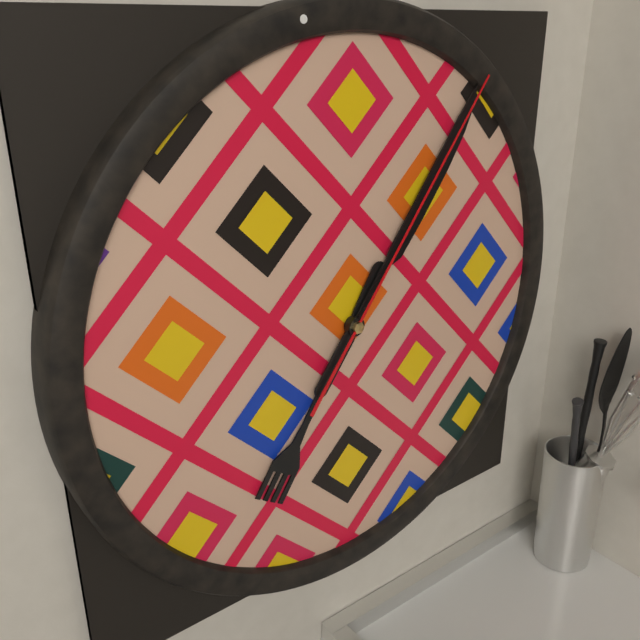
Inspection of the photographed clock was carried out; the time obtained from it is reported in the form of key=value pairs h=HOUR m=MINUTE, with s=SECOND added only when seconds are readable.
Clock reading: h=7 m=6 s=6
